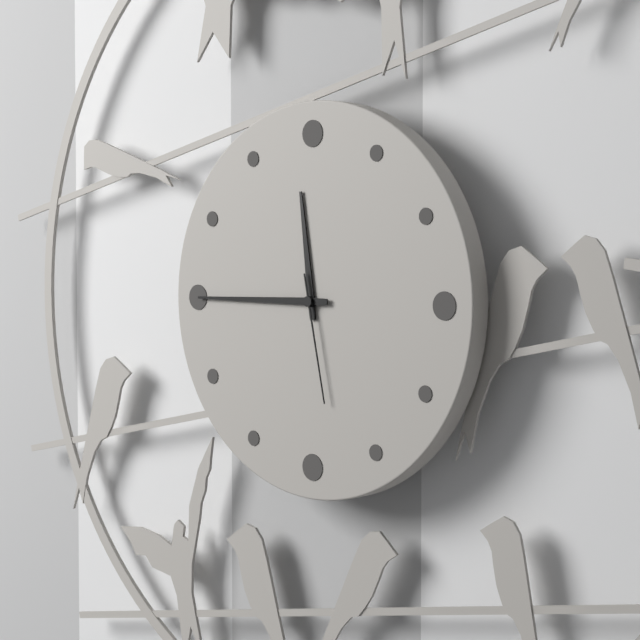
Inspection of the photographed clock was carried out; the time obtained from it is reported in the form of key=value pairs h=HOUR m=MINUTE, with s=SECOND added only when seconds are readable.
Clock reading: h=11 m=45 s=28
